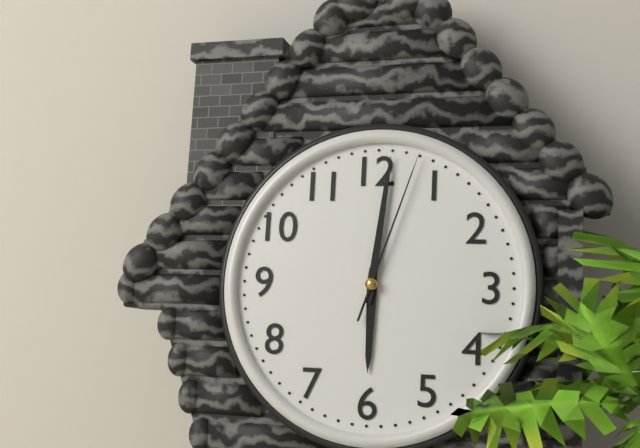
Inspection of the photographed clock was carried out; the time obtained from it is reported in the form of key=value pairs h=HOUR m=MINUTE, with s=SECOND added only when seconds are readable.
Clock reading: h=6 m=1 s=3
